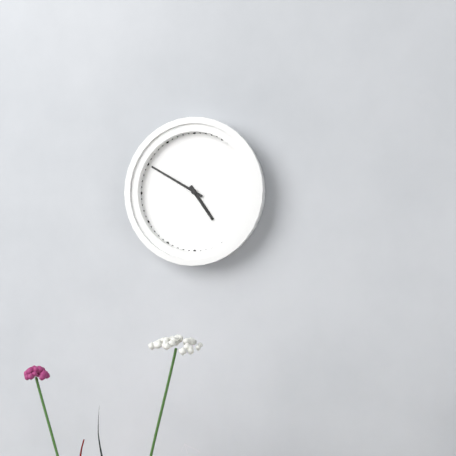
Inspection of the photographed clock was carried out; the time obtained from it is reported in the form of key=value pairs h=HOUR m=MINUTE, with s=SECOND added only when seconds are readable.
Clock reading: h=4 m=50
